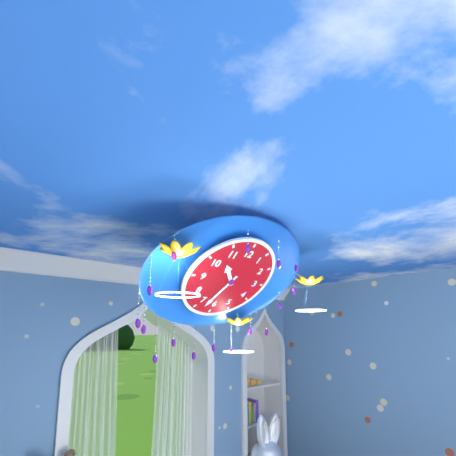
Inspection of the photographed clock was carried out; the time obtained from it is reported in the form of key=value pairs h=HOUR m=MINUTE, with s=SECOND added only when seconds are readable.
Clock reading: h=10 m=33
